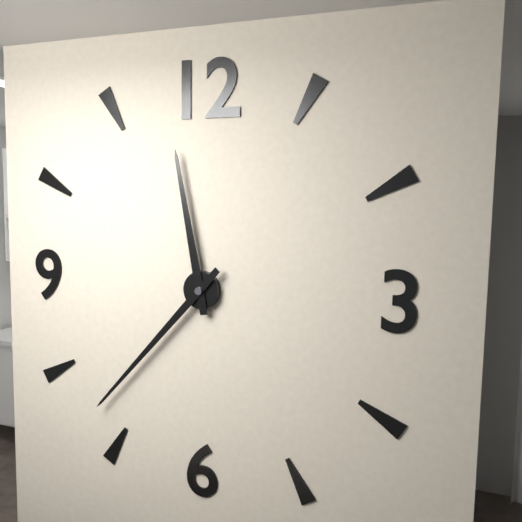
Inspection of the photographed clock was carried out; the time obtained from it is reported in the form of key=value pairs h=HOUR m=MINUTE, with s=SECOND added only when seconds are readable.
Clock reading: h=11 m=37
